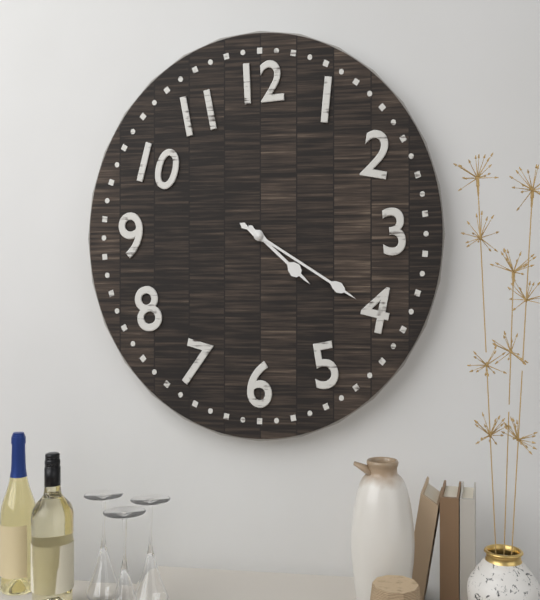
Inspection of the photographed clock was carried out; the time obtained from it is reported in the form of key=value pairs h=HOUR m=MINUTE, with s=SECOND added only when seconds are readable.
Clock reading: h=4 m=20
